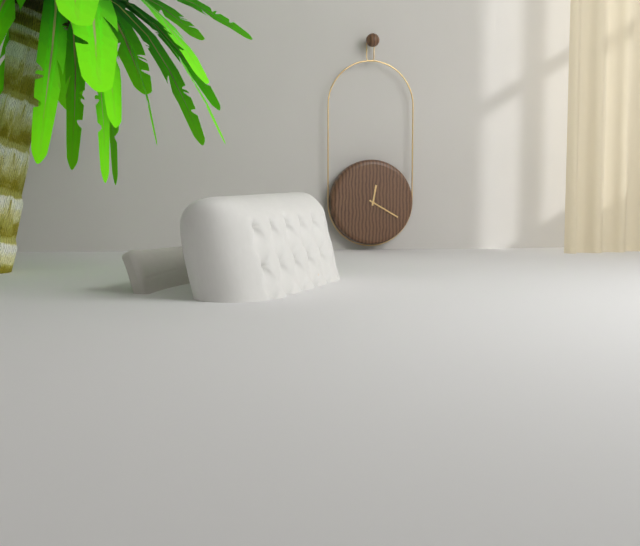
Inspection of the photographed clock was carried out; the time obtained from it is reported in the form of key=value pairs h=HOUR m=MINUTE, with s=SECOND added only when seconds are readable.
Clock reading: h=12 m=20
